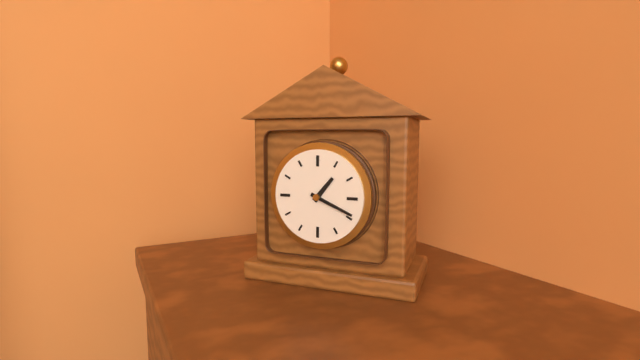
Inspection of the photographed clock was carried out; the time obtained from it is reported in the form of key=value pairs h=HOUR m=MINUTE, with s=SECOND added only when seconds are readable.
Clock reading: h=1 m=19
